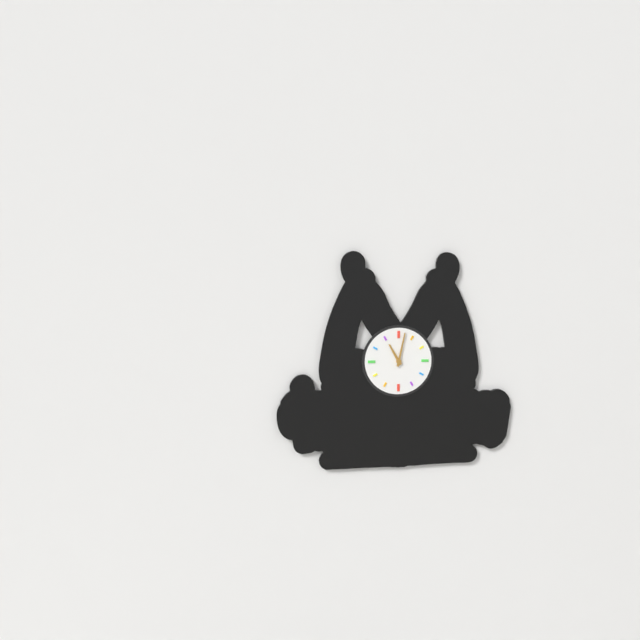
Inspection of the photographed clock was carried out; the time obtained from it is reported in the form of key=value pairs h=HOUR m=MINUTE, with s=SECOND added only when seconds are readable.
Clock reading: h=11 m=2
